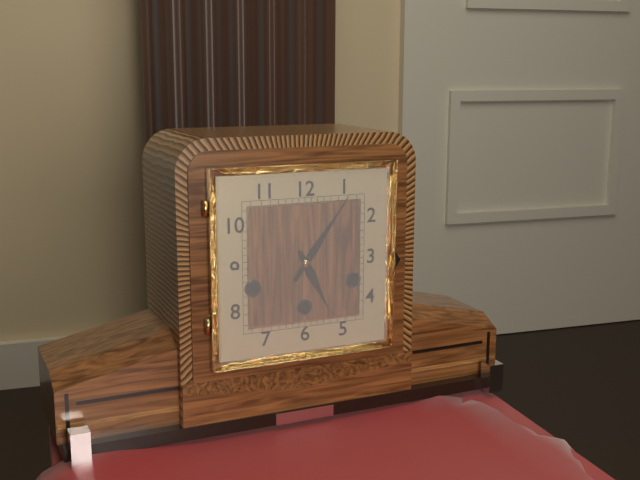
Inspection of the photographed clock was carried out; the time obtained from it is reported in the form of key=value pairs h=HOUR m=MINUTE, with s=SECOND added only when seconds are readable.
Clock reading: h=5 m=6
